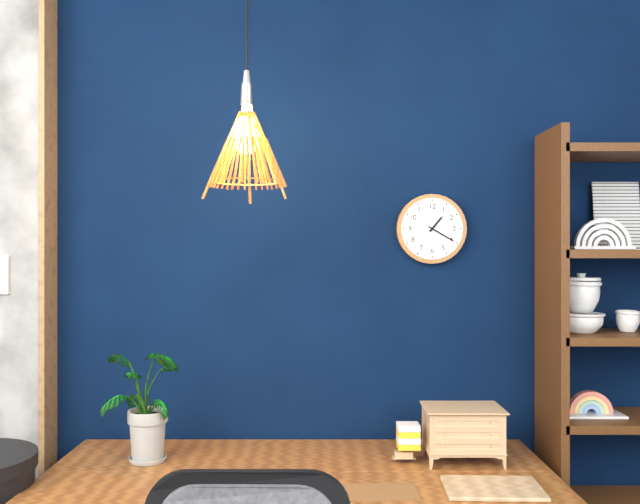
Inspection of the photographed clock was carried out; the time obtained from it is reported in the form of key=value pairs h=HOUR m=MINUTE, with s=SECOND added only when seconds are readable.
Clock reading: h=1 m=20
